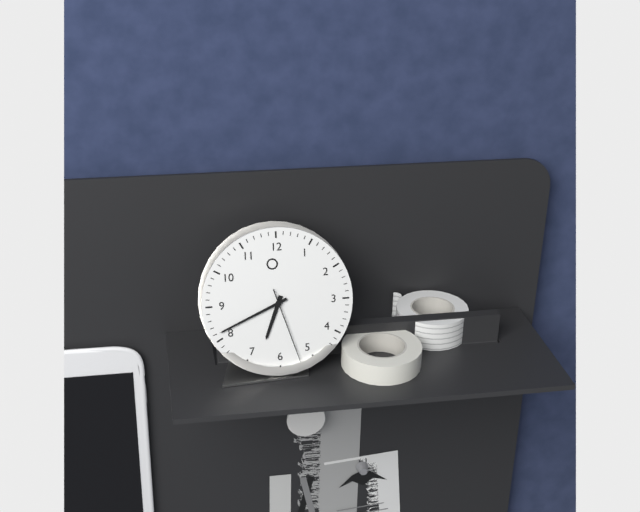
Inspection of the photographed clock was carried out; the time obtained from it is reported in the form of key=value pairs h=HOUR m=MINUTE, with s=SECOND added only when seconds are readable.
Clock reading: h=6 m=41 s=27
